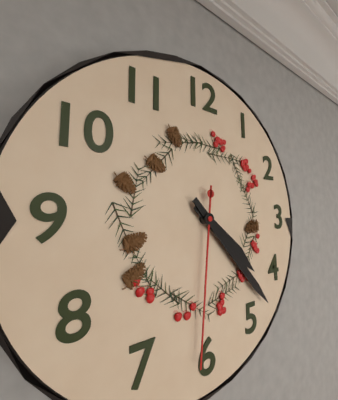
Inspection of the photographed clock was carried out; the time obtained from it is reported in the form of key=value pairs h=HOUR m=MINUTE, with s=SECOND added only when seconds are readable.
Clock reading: h=4 m=23 s=31
